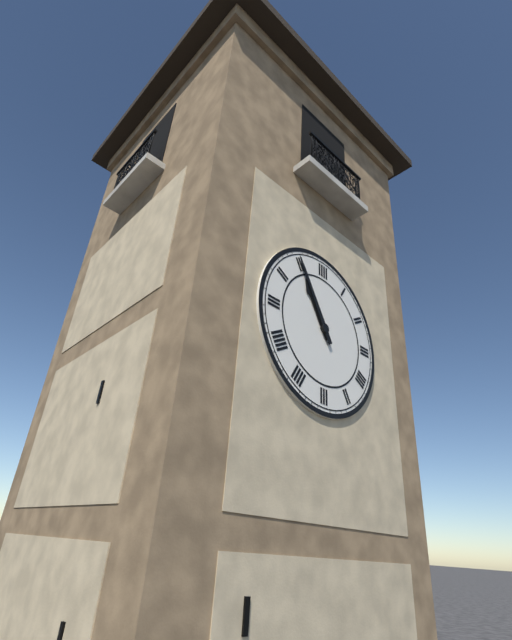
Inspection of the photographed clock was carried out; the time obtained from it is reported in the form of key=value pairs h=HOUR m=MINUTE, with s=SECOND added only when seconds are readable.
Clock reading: h=10 m=55
